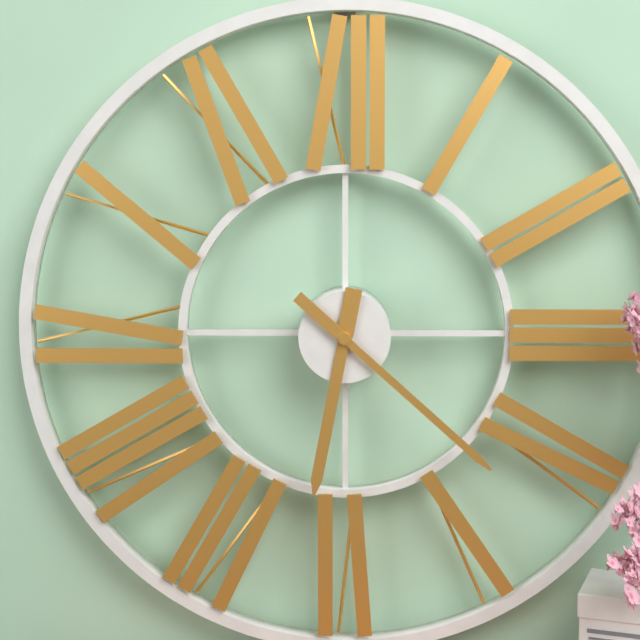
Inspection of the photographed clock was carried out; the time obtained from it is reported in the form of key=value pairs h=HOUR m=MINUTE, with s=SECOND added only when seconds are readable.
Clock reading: h=6 m=22
